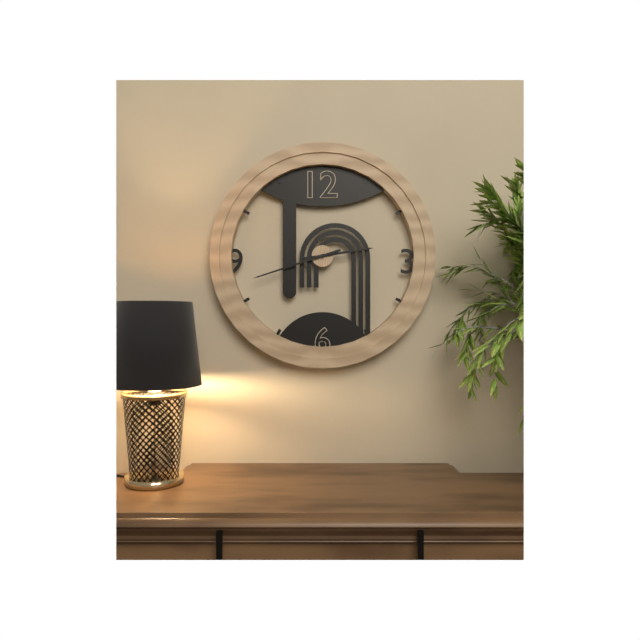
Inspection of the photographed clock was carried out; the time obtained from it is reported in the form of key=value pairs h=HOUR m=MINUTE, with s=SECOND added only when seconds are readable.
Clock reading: h=2 m=42
